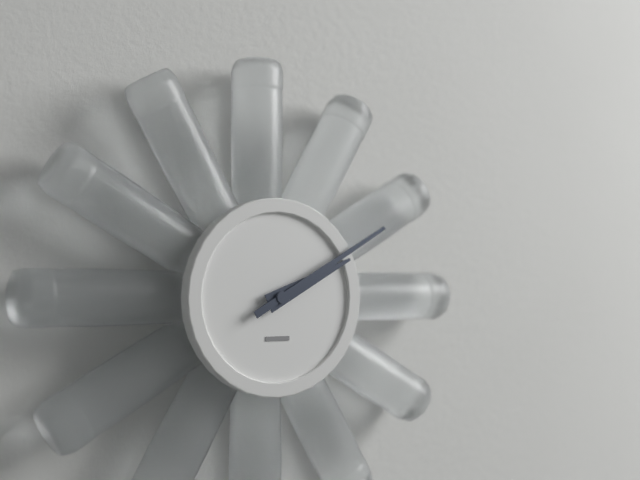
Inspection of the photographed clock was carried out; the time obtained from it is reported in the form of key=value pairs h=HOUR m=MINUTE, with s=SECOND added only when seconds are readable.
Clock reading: h=2 m=10
